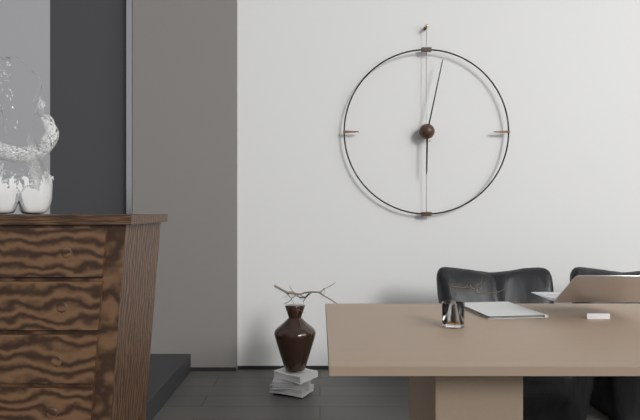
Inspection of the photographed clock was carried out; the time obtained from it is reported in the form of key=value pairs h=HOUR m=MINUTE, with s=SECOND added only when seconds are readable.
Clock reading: h=6 m=2
